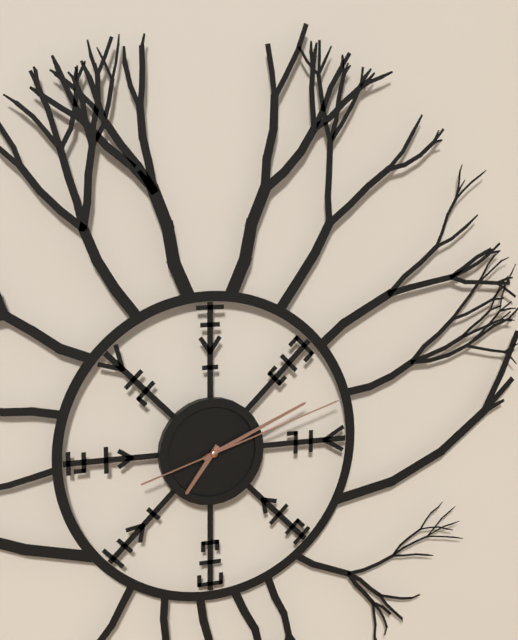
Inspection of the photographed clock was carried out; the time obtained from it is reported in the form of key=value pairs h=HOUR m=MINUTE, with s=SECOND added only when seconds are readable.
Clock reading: h=7 m=11 s=12
